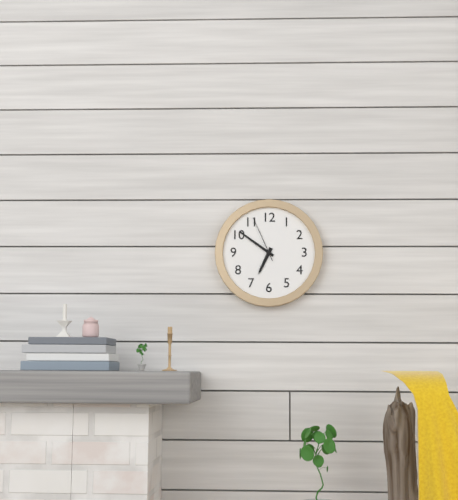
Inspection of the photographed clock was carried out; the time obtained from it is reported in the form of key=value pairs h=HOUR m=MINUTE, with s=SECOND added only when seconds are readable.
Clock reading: h=6 m=51
